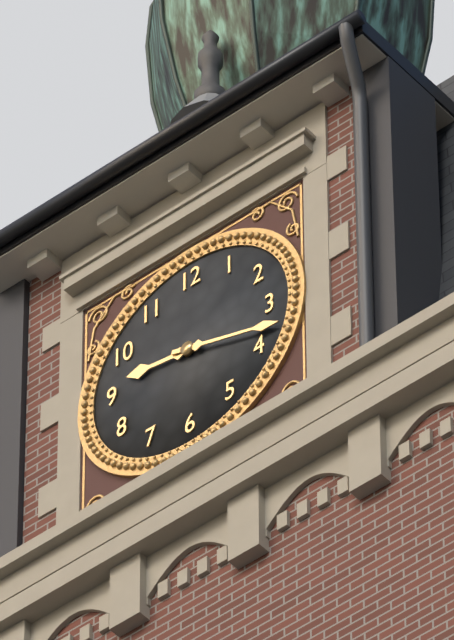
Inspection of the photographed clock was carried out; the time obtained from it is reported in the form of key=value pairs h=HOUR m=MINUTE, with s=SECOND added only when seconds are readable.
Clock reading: h=9 m=18
